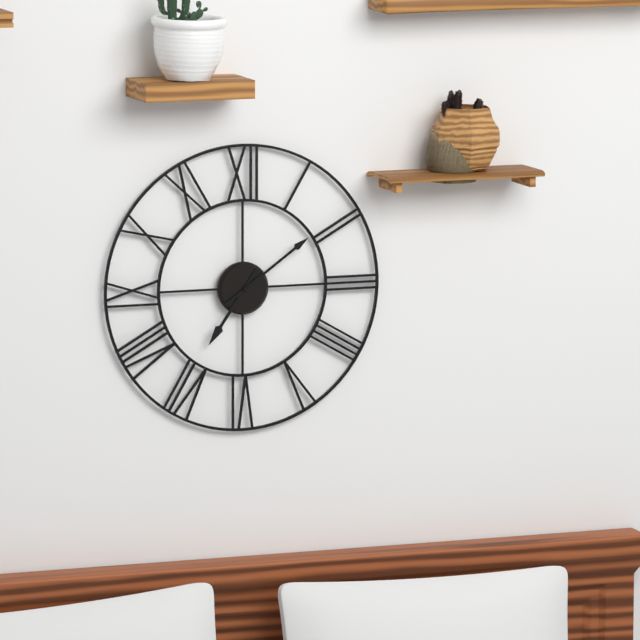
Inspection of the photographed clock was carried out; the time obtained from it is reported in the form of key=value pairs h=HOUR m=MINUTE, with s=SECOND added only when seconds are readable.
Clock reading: h=7 m=9
